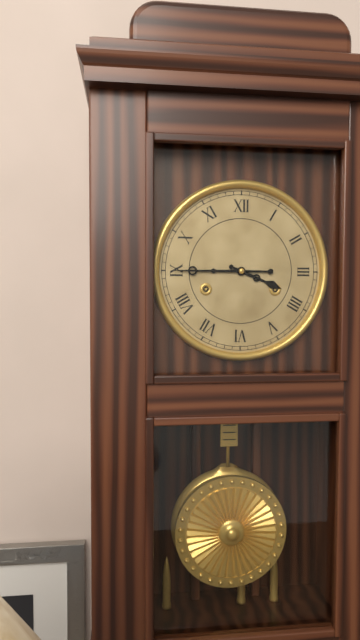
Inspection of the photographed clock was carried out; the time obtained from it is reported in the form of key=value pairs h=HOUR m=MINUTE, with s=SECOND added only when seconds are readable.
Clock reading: h=3 m=45
